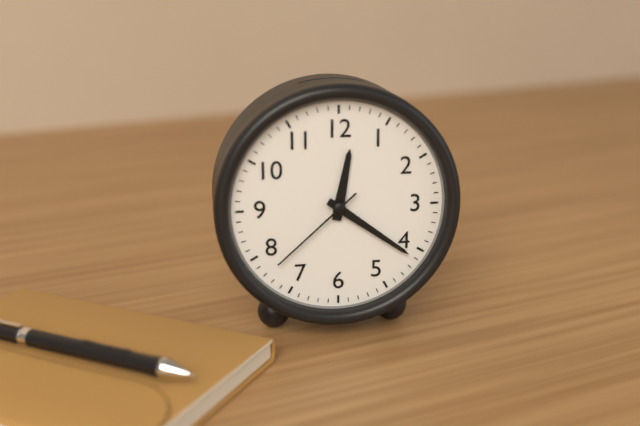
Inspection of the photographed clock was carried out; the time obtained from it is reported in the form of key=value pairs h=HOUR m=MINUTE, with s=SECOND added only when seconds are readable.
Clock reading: h=12 m=21 s=38
